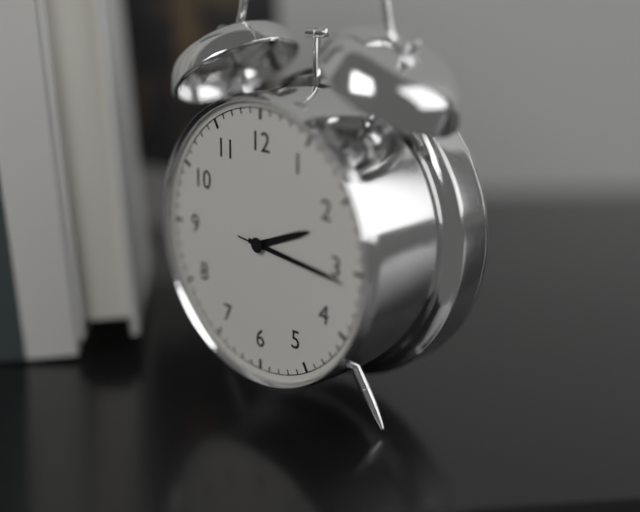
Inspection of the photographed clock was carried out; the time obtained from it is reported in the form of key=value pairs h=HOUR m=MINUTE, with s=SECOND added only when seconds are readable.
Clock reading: h=2 m=16 s=16
